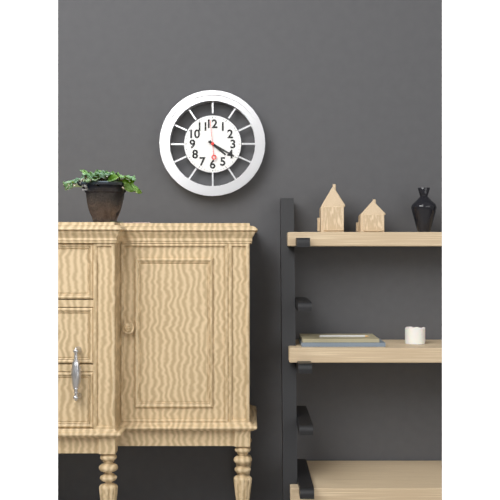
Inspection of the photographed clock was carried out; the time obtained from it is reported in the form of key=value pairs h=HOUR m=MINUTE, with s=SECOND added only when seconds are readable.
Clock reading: h=4 m=20
